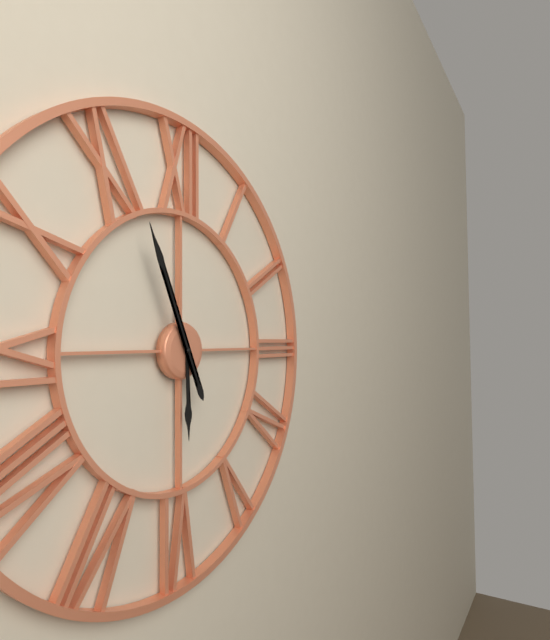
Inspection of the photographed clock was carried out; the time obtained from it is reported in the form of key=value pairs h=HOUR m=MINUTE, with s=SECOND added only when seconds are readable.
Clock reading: h=5 m=56
